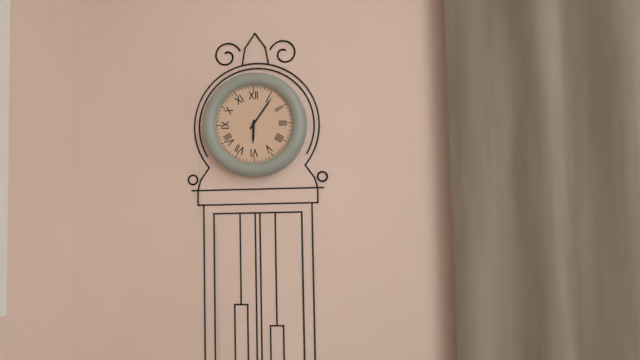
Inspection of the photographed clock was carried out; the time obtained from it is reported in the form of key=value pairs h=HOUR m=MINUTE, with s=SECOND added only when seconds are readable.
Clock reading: h=6 m=6
